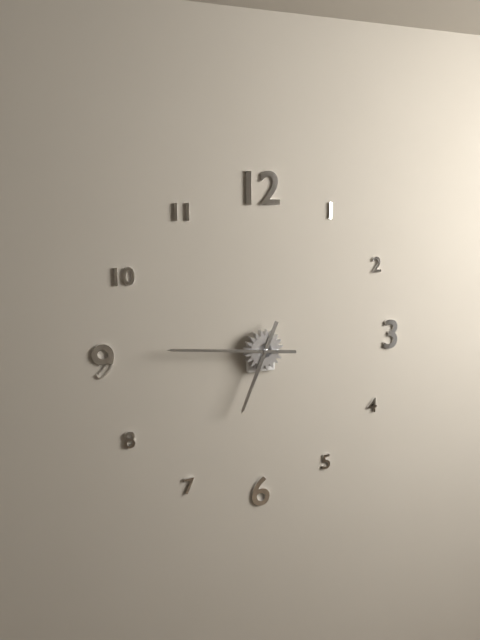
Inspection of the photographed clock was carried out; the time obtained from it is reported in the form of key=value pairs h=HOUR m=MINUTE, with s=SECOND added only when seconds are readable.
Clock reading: h=6 m=46
